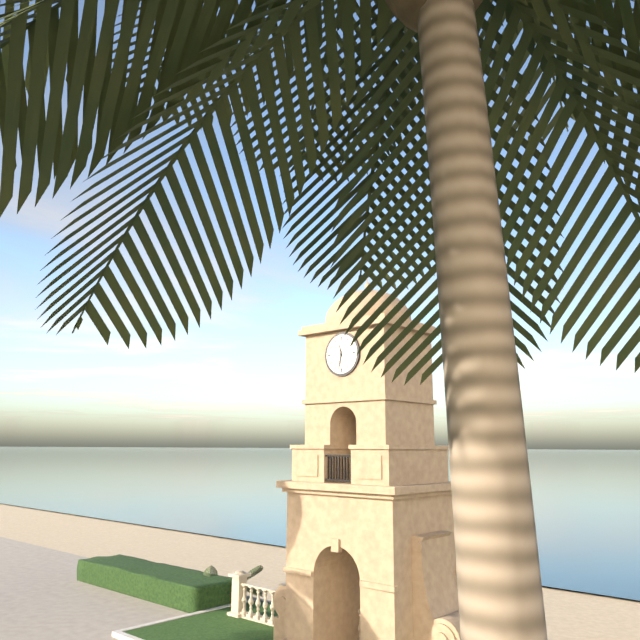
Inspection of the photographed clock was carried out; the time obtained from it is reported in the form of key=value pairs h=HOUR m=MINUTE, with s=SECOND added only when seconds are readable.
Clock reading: h=11 m=32
